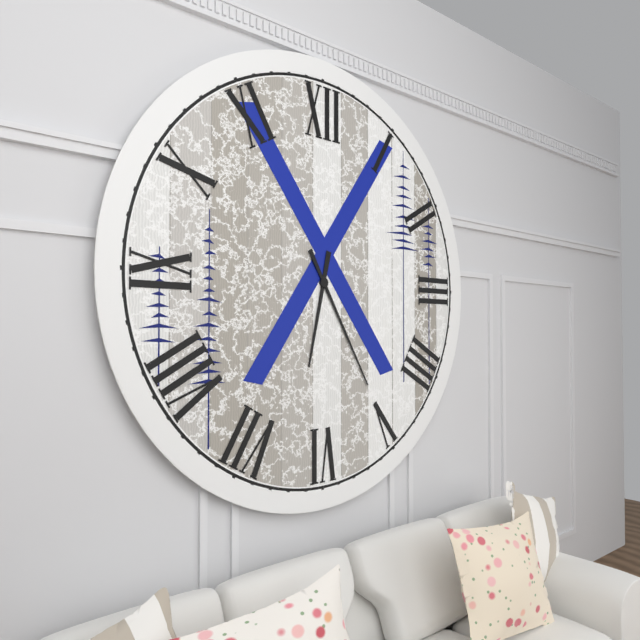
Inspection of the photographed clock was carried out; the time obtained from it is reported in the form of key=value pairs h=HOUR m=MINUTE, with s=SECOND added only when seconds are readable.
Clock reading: h=6 m=25
